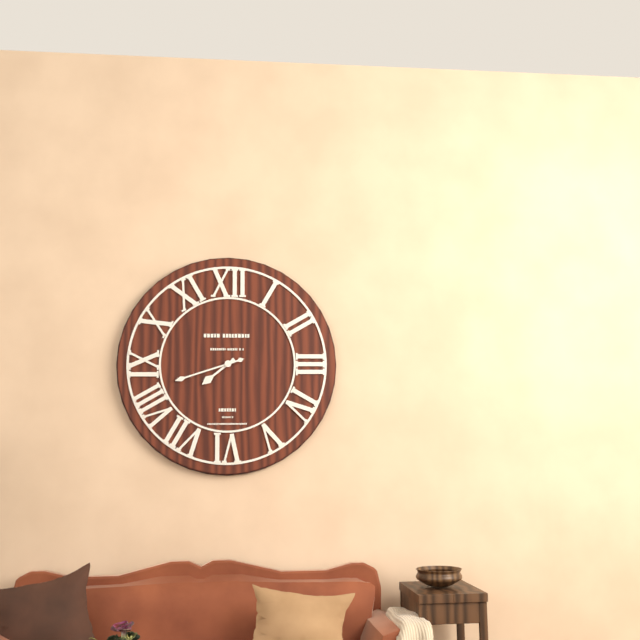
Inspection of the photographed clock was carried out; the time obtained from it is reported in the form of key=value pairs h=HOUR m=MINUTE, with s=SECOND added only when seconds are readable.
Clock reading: h=7 m=42
